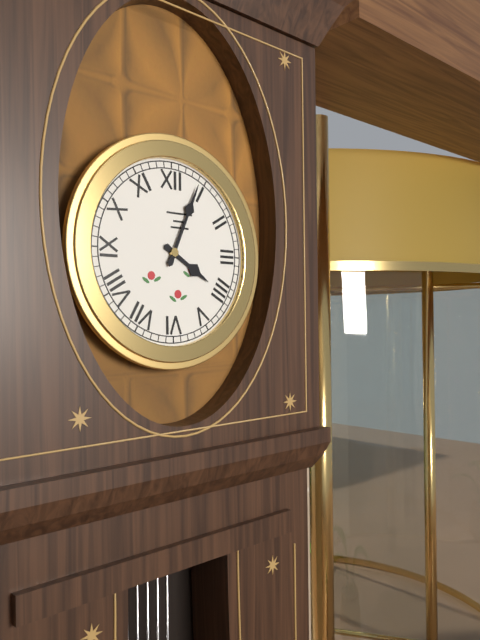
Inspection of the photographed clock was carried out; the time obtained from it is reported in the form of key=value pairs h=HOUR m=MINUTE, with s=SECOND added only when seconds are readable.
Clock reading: h=4 m=4
